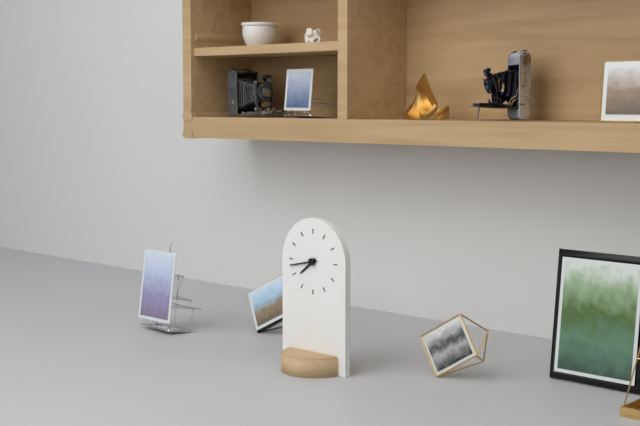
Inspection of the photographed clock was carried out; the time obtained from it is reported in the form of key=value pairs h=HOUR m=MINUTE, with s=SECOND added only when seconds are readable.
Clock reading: h=7 m=43
